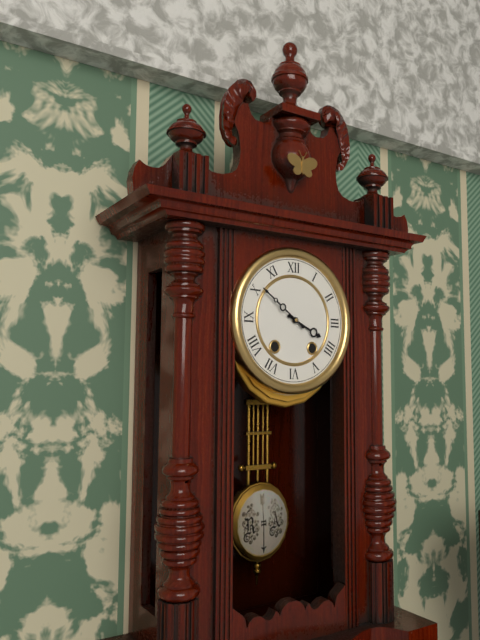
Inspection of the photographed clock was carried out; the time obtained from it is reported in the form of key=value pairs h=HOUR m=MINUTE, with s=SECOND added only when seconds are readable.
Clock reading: h=3 m=51
